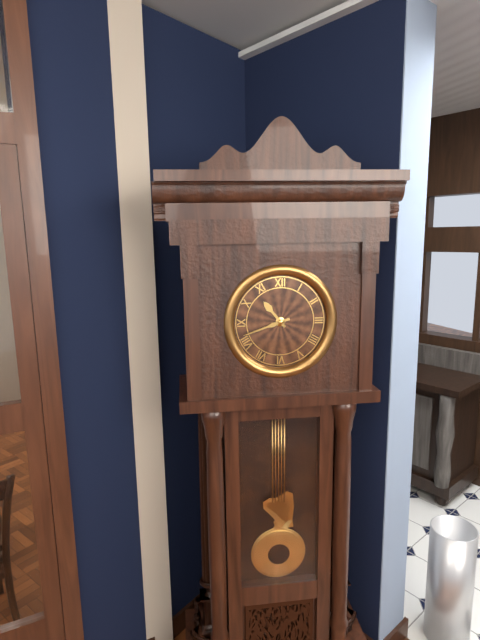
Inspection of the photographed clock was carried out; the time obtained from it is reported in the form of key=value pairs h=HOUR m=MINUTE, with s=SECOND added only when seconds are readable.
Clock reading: h=10 m=42
